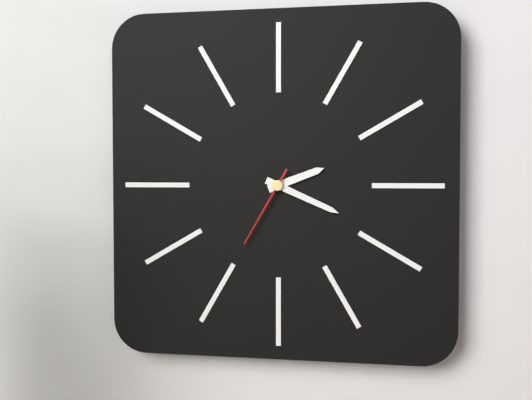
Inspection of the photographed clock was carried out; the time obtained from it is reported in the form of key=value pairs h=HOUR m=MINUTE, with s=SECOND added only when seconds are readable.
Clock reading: h=2 m=19 s=35
